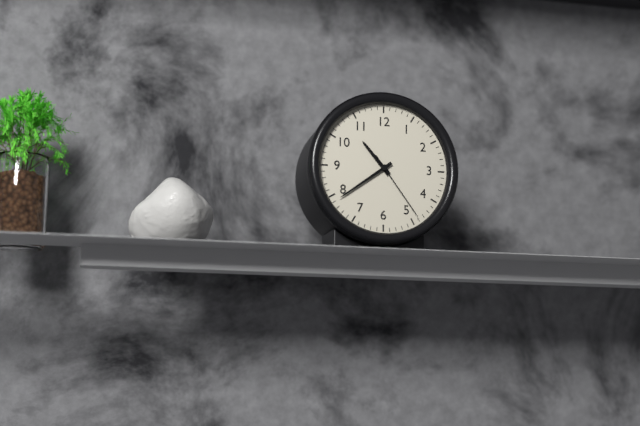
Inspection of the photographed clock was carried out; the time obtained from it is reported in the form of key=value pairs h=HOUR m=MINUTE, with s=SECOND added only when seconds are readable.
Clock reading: h=10 m=39 s=24
